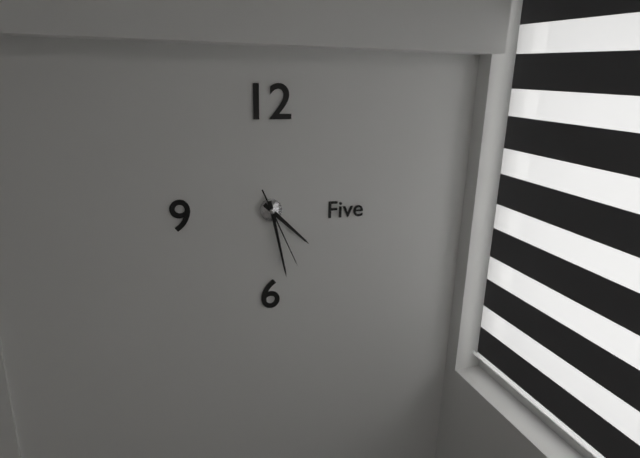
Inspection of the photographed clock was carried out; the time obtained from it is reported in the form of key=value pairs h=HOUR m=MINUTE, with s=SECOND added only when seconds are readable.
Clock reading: h=4 m=28 s=26
